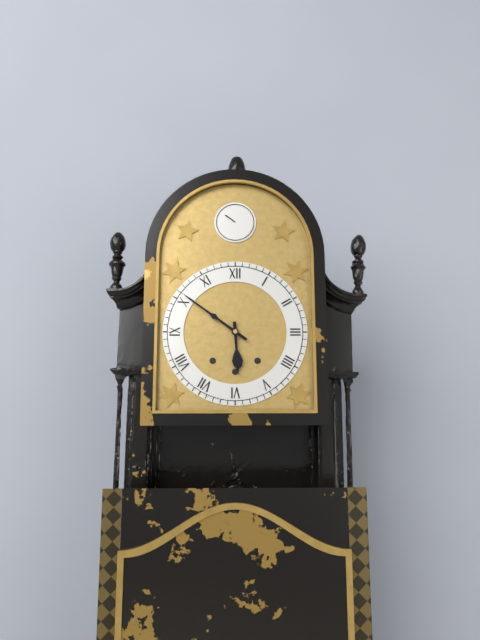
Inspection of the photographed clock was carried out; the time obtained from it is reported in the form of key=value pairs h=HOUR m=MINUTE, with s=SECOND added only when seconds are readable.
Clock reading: h=5 m=51
